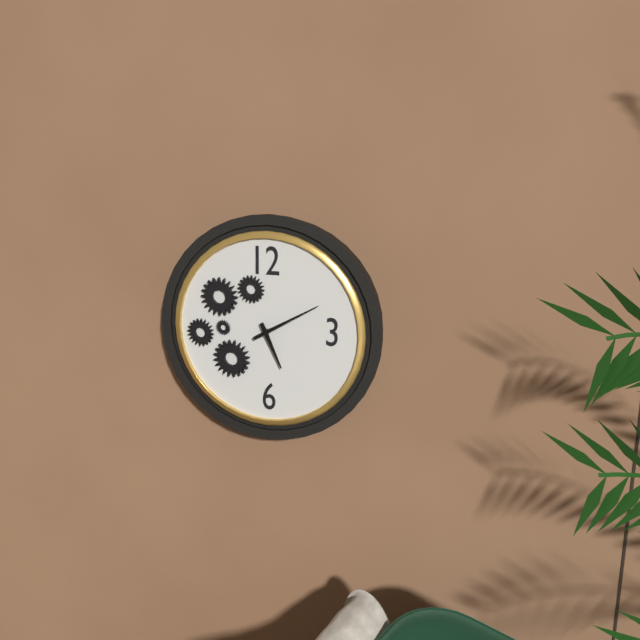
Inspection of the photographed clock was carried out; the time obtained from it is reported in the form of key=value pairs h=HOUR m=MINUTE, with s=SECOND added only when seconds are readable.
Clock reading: h=5 m=10
